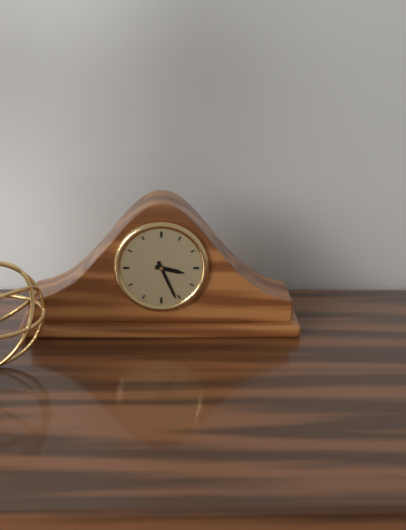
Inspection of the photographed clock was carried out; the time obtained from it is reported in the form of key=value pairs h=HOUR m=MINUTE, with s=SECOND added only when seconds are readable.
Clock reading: h=3 m=26
